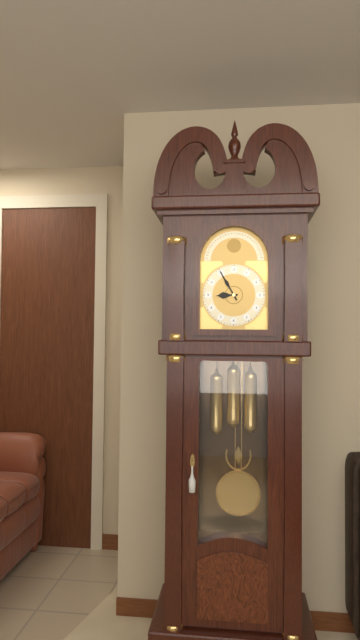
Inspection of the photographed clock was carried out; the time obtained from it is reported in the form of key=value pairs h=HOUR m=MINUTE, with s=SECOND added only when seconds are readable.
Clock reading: h=8 m=55
